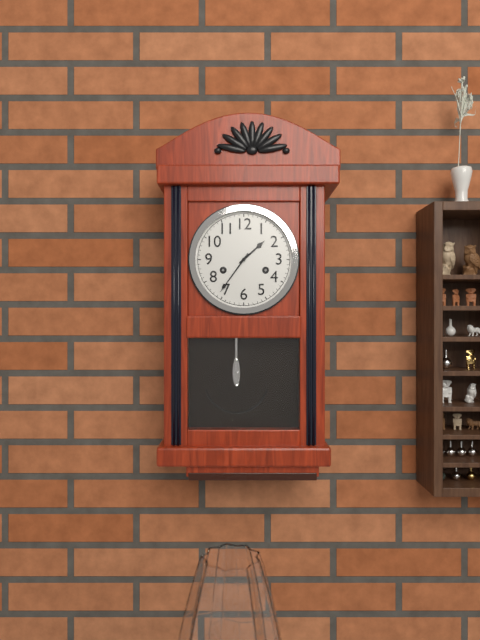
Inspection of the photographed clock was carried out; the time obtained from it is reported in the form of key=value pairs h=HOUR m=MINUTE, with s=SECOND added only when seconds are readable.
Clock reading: h=1 m=36
